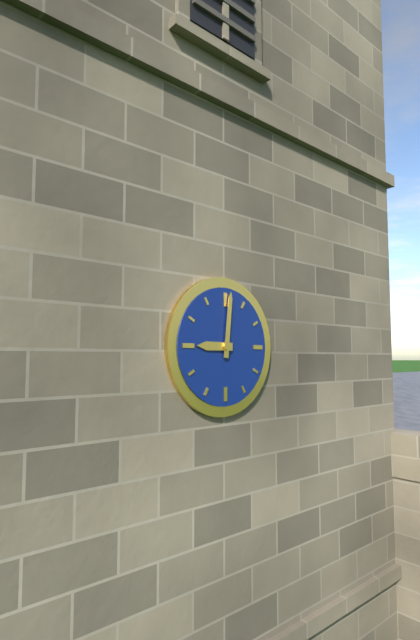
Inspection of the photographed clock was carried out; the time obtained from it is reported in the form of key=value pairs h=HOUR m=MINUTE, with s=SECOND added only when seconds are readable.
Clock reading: h=9 m=1
